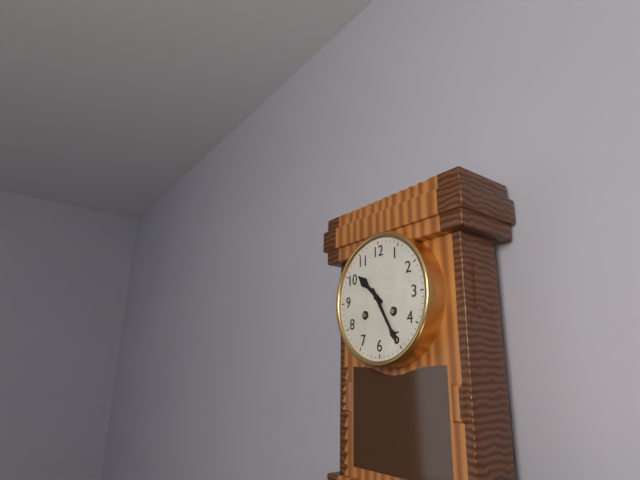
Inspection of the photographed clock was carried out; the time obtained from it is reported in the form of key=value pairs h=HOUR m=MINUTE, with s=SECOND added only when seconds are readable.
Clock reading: h=10 m=25
